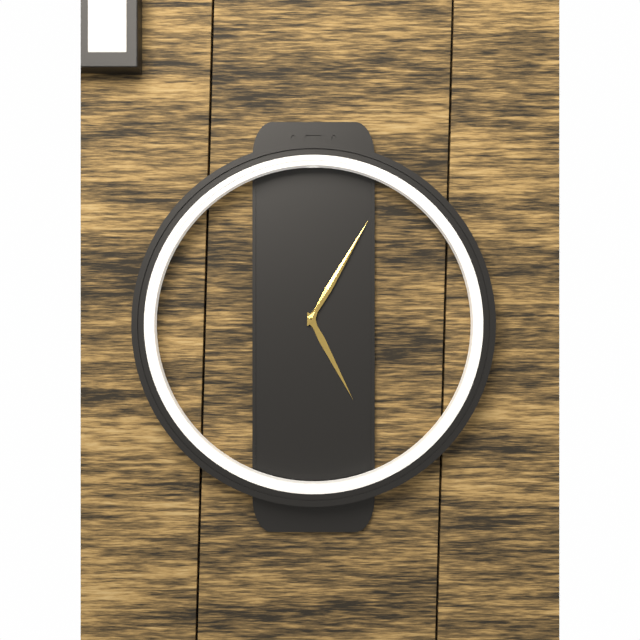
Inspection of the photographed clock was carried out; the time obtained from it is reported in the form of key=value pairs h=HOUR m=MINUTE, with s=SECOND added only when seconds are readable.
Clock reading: h=5 m=5
